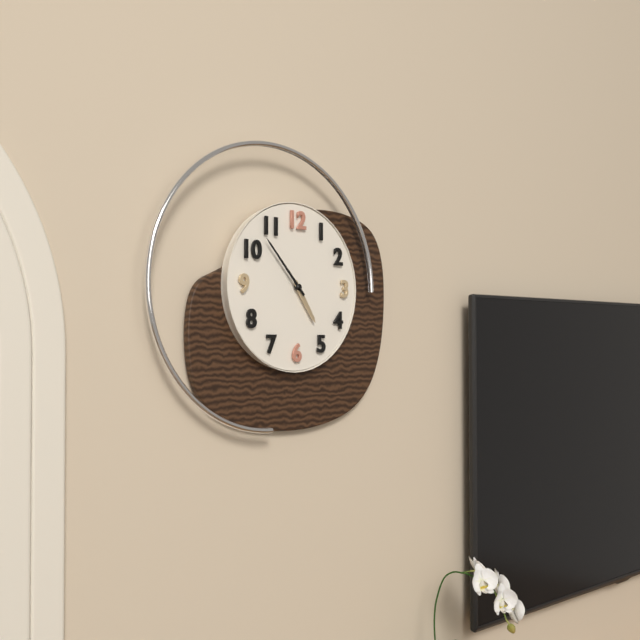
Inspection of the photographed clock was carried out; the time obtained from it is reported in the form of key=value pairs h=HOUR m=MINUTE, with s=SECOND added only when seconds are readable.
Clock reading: h=4 m=53
